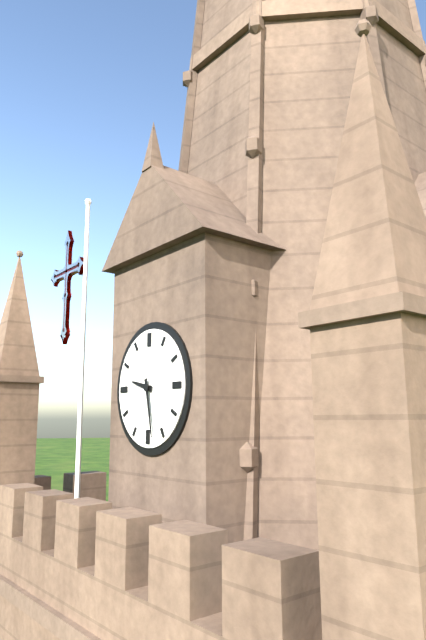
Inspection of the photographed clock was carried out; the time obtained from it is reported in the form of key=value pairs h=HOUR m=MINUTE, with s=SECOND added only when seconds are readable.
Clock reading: h=9 m=28
